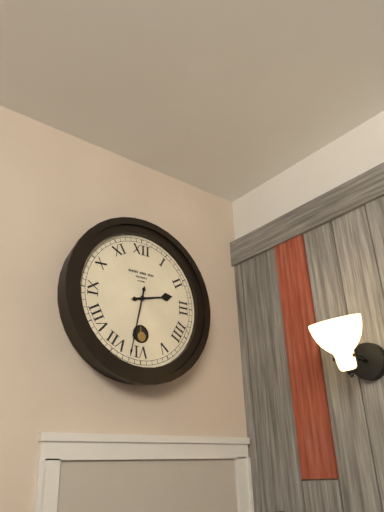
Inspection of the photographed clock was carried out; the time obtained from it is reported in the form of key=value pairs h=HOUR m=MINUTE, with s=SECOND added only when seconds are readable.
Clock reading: h=2 m=32
